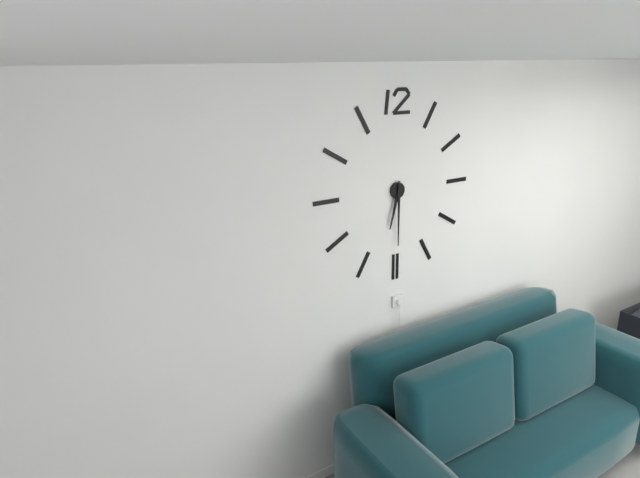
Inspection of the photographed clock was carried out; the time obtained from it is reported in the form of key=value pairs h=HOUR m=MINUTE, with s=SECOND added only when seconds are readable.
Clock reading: h=6 m=30
